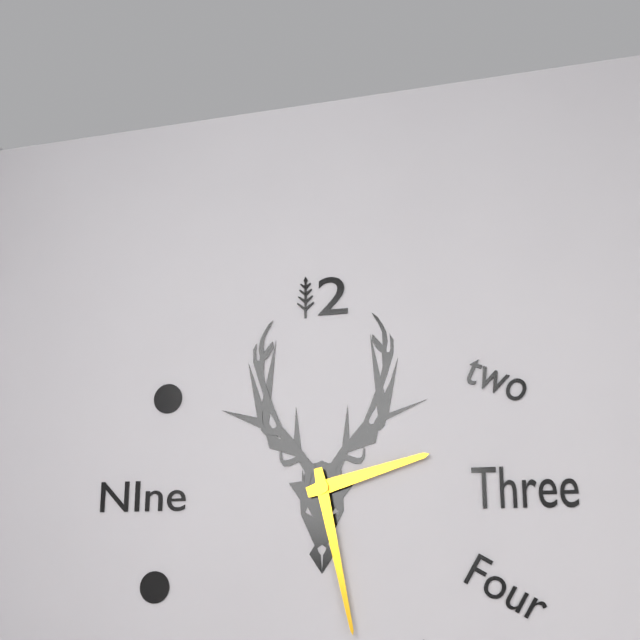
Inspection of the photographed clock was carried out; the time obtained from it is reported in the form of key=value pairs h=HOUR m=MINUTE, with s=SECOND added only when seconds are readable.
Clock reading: h=2 m=28
